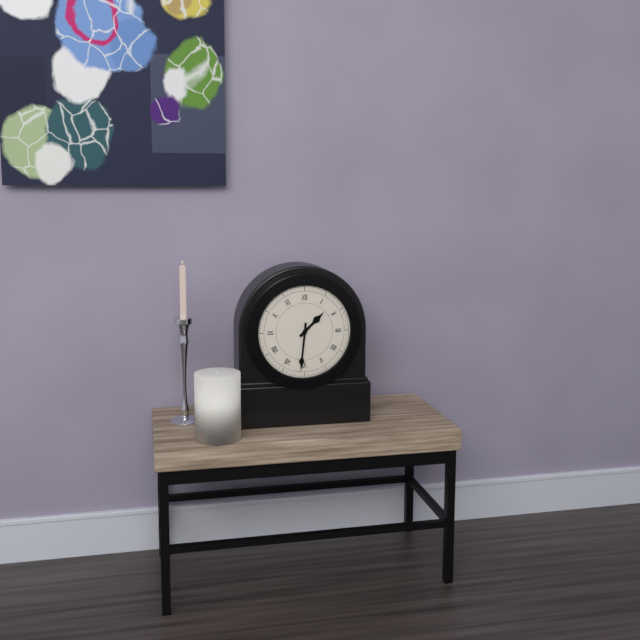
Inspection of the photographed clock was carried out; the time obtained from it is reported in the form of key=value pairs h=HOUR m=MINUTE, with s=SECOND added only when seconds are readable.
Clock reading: h=1 m=31
